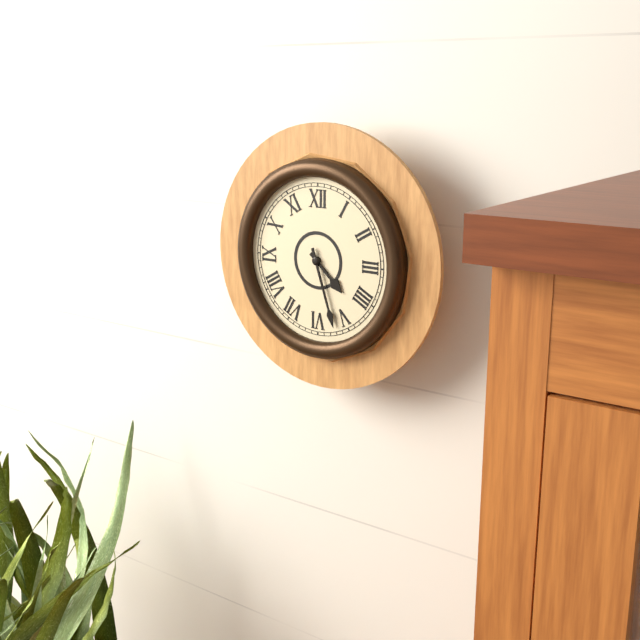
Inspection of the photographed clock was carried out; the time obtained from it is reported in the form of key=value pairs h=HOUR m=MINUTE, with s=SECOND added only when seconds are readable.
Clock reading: h=4 m=27
